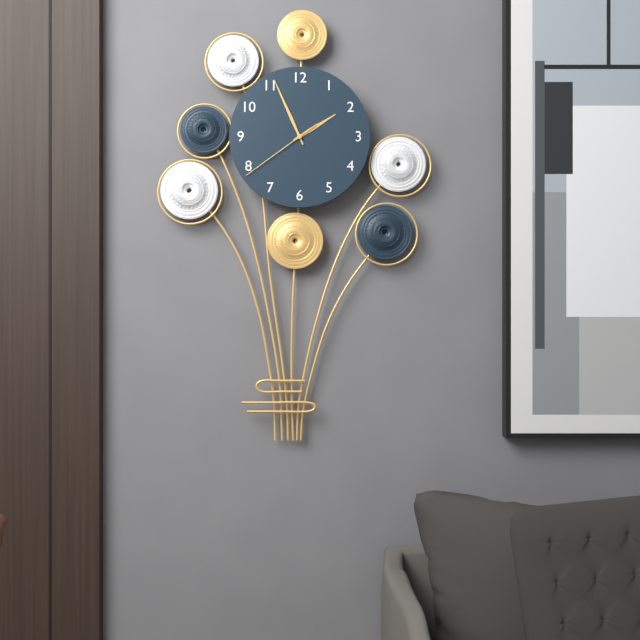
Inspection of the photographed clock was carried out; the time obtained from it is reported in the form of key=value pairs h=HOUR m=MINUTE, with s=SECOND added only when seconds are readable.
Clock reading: h=1 m=56 s=39
